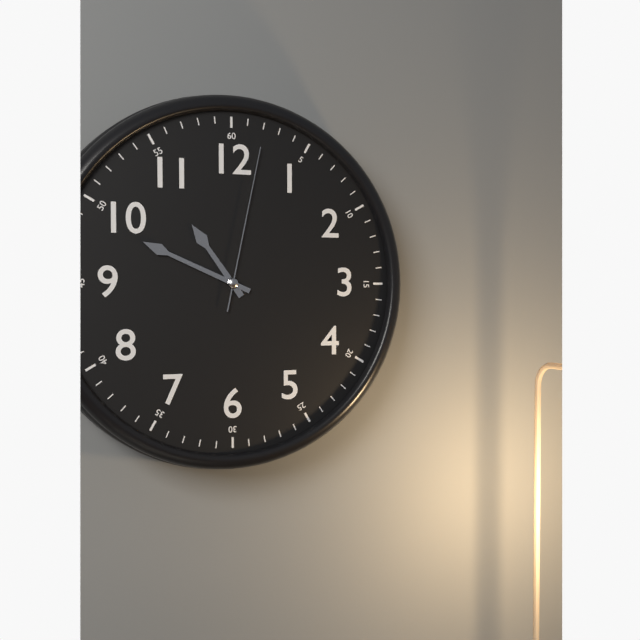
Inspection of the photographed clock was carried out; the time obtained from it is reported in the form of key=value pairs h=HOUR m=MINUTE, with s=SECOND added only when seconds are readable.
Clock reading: h=10 m=49 s=2
